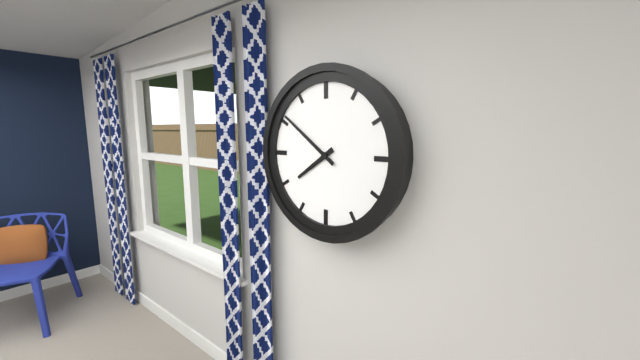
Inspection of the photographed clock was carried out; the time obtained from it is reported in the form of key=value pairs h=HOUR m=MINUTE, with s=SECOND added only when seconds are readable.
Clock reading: h=7 m=51
